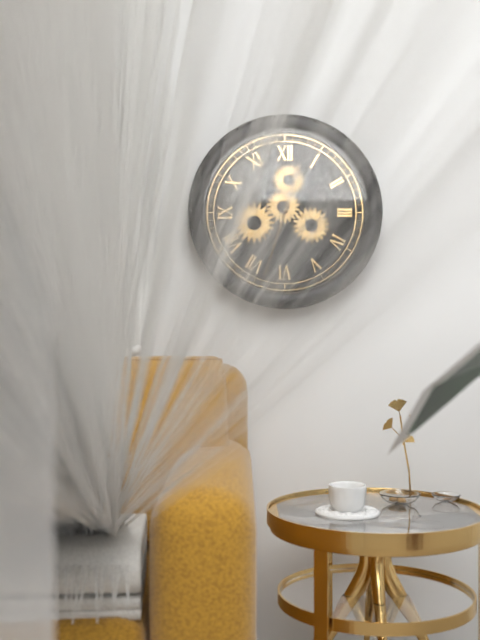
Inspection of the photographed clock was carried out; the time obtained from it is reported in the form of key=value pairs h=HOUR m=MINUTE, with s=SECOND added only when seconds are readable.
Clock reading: h=12 m=33
